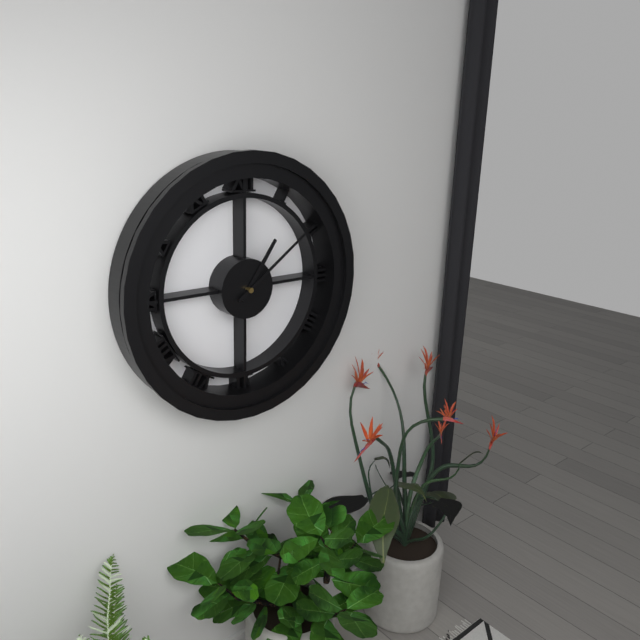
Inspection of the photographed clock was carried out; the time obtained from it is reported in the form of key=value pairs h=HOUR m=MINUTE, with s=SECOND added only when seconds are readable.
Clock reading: h=1 m=9
